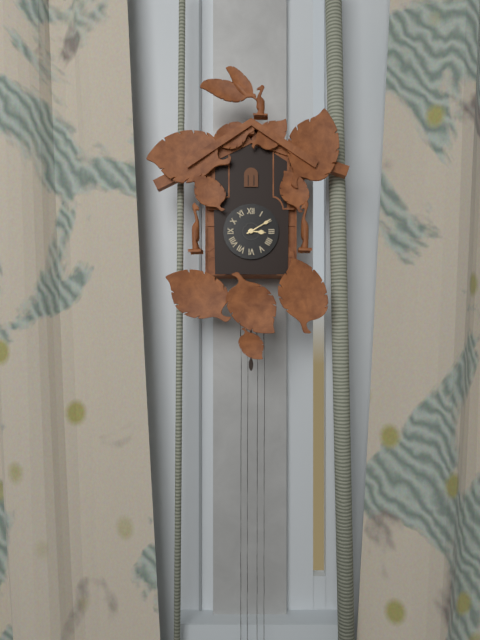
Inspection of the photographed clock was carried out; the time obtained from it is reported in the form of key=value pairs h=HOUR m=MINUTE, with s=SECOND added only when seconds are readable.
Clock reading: h=3 m=10
